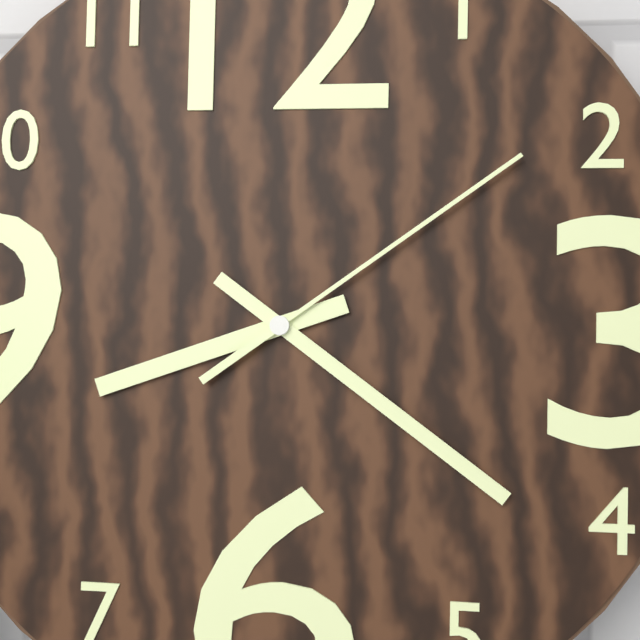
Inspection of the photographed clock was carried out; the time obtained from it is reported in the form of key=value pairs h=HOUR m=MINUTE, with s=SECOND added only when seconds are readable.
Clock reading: h=8 m=21 s=9
